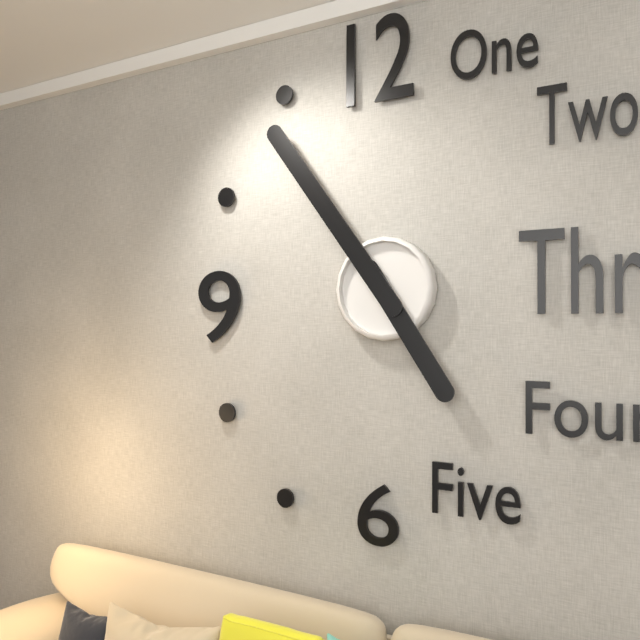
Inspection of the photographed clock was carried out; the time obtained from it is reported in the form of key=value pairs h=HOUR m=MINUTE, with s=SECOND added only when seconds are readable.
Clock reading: h=4 m=54
